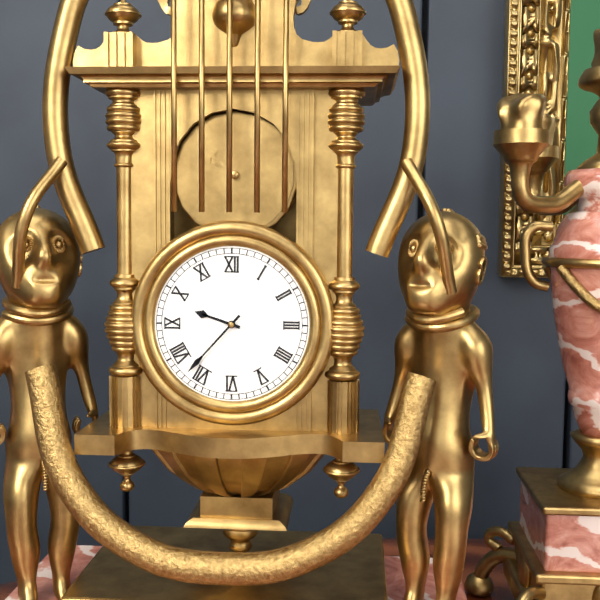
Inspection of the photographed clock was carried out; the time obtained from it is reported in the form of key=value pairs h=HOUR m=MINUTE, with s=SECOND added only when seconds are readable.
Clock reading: h=9 m=37
